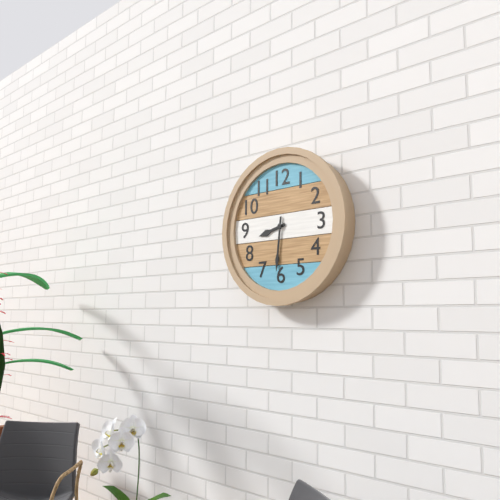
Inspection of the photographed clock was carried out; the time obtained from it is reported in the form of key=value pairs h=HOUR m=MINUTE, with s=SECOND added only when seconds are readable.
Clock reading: h=8 m=31
